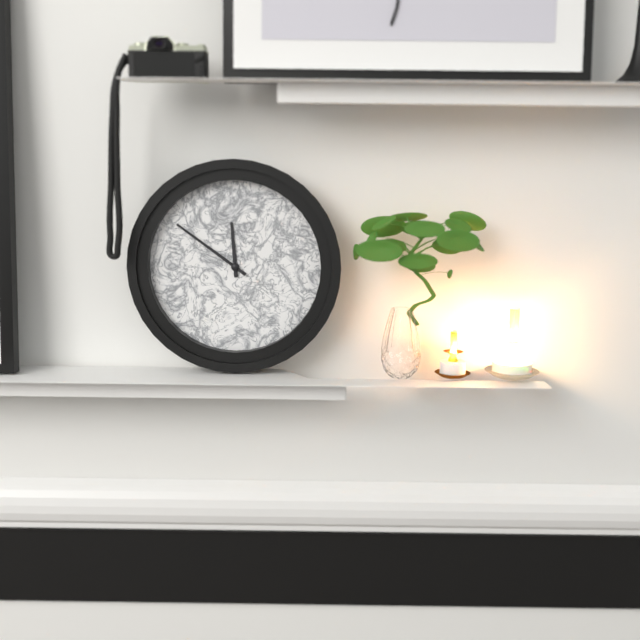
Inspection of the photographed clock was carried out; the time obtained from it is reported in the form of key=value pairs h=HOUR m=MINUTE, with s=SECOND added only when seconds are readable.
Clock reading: h=11 m=51
